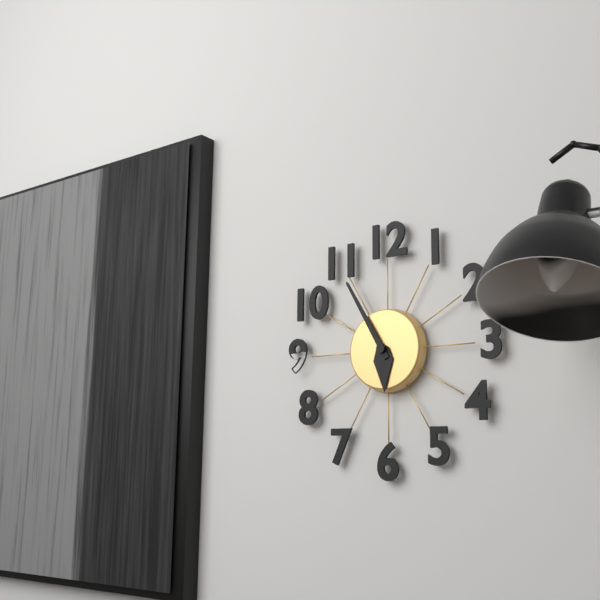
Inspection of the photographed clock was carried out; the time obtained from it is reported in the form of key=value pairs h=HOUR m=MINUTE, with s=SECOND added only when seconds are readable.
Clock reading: h=5 m=55
